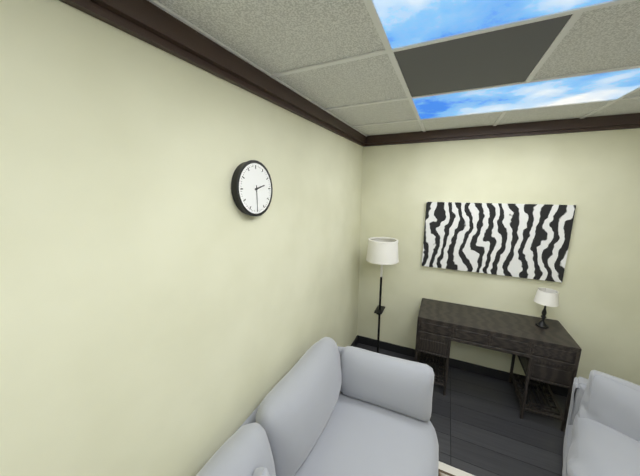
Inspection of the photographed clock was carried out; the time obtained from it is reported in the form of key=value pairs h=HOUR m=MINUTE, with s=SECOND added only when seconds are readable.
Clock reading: h=2 m=30
